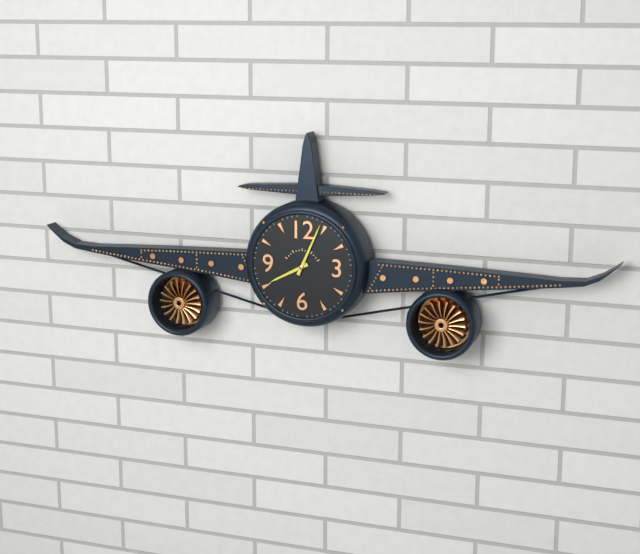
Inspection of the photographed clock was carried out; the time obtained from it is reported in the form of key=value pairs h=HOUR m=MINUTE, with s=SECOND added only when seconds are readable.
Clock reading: h=8 m=4
